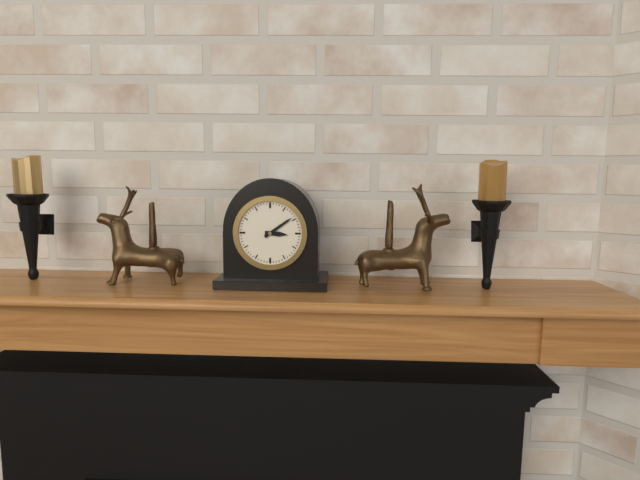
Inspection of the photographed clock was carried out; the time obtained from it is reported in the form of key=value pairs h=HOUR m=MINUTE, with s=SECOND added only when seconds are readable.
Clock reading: h=3 m=9
